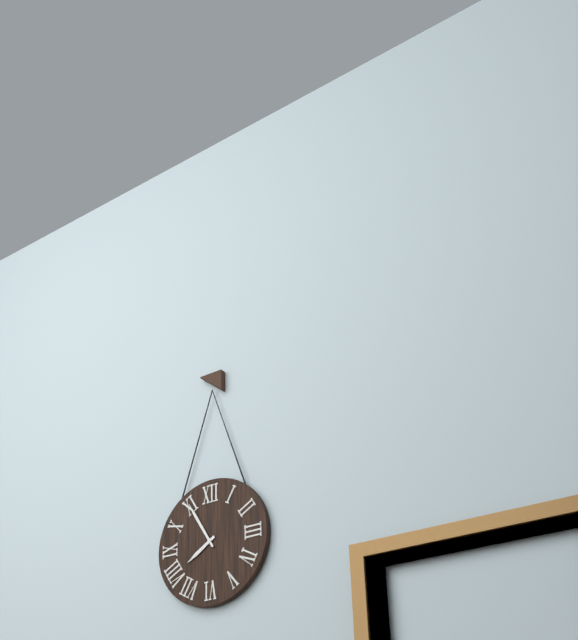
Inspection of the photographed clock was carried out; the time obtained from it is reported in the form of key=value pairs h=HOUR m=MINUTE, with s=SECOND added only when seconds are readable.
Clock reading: h=7 m=55
